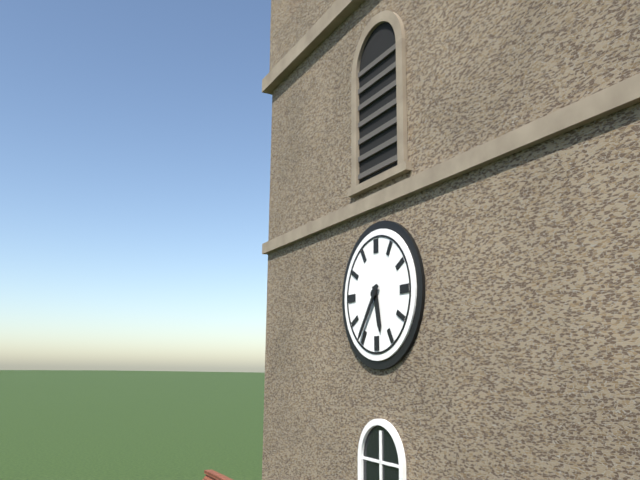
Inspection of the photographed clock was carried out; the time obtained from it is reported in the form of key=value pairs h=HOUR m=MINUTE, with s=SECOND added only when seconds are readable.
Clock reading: h=5 m=36
